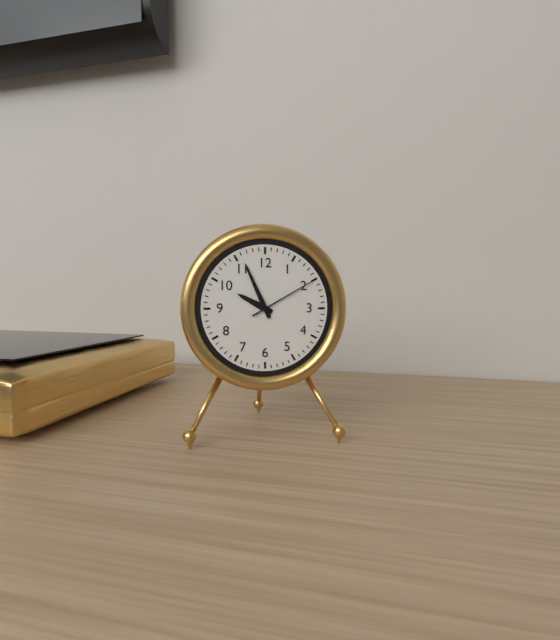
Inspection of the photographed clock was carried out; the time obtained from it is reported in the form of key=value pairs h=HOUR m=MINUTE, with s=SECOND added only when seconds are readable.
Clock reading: h=9 m=56 s=10
